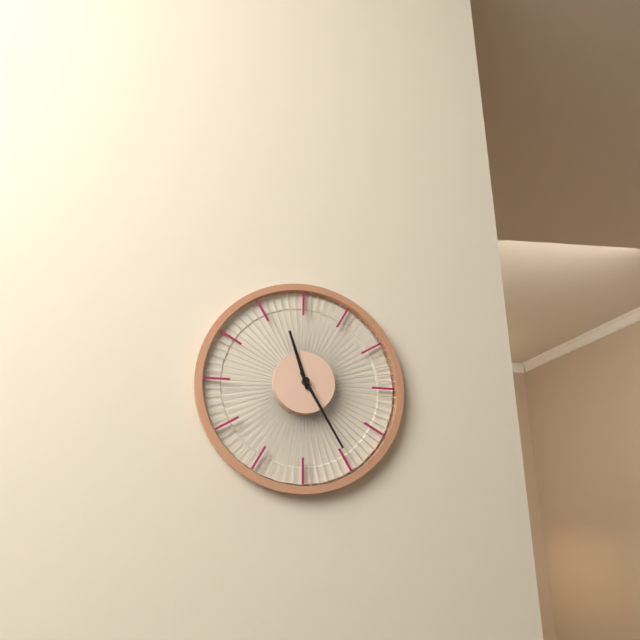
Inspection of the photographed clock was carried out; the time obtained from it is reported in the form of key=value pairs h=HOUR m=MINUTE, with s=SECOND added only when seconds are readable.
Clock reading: h=11 m=25
